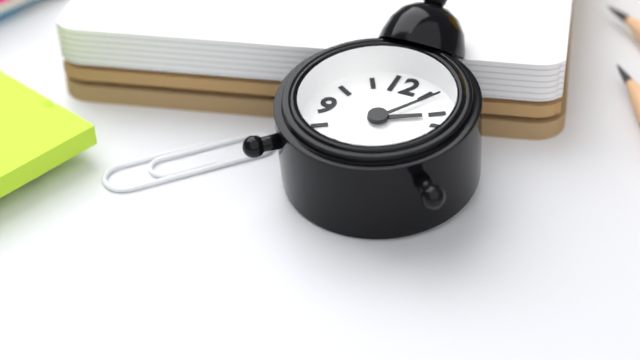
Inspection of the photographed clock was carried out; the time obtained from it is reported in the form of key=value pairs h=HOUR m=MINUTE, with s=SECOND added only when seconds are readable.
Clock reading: h=2 m=6
